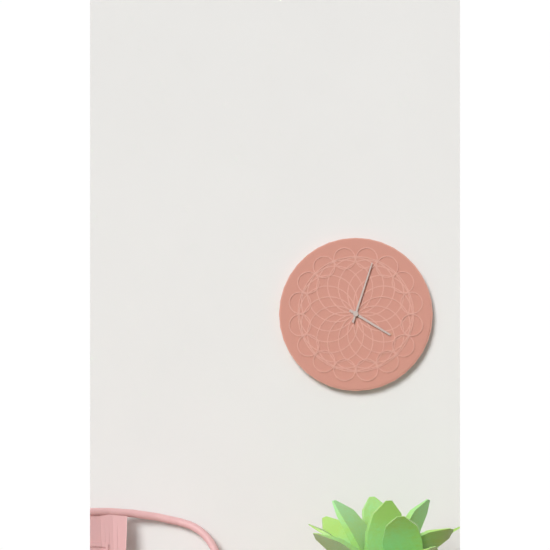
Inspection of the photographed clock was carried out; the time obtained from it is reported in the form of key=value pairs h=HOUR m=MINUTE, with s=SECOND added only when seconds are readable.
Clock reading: h=4 m=3
